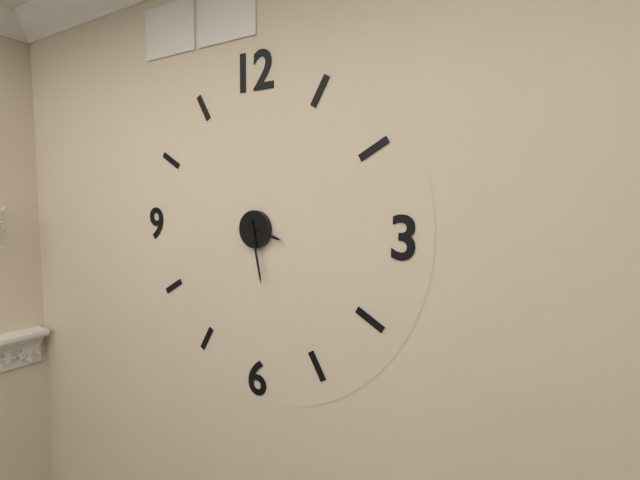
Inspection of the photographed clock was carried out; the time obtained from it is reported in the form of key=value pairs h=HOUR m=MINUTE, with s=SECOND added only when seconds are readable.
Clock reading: h=3 m=28
